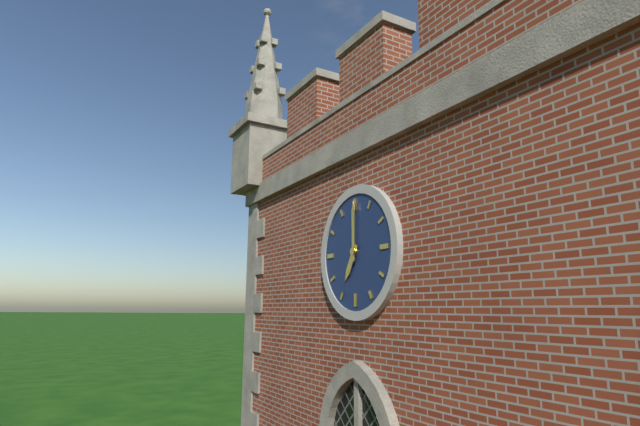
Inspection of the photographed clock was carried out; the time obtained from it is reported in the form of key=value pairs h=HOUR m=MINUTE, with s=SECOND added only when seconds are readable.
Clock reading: h=7 m=0
